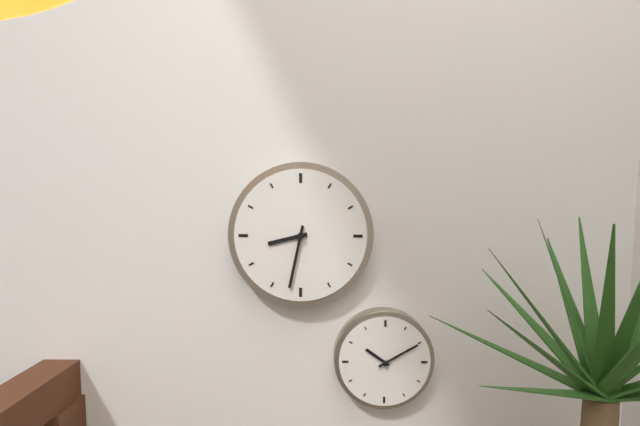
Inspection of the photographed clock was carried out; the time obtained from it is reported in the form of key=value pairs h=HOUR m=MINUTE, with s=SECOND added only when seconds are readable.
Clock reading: h=8 m=32
